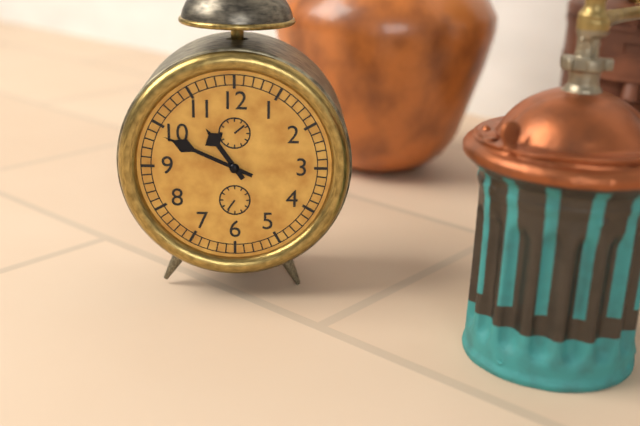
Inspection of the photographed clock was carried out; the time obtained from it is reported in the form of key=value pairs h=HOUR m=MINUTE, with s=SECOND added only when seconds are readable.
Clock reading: h=10 m=49
